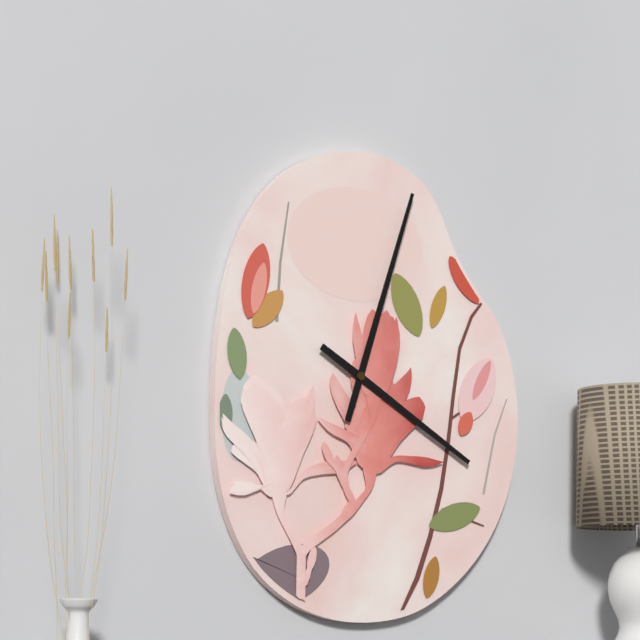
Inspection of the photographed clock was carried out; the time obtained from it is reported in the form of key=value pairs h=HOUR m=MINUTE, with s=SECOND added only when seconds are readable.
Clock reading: h=4 m=3
